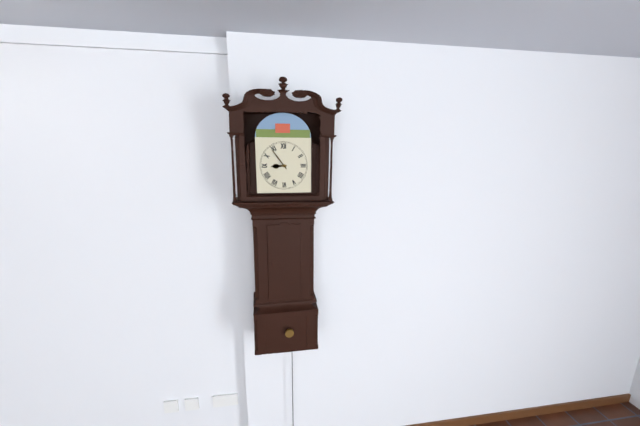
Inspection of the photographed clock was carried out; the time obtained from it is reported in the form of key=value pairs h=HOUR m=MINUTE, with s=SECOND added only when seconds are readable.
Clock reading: h=8 m=54
